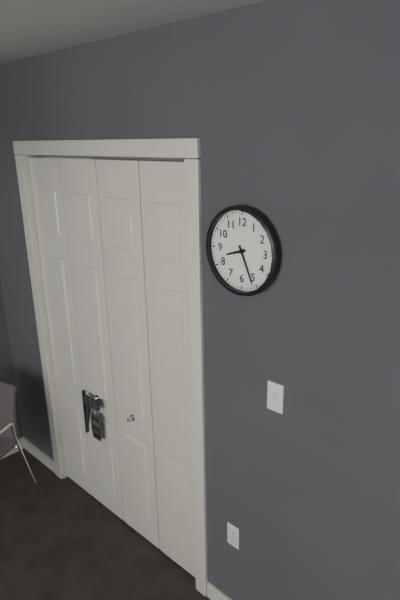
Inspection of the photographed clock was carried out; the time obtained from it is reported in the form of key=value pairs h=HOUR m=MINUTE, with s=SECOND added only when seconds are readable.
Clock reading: h=8 m=26
